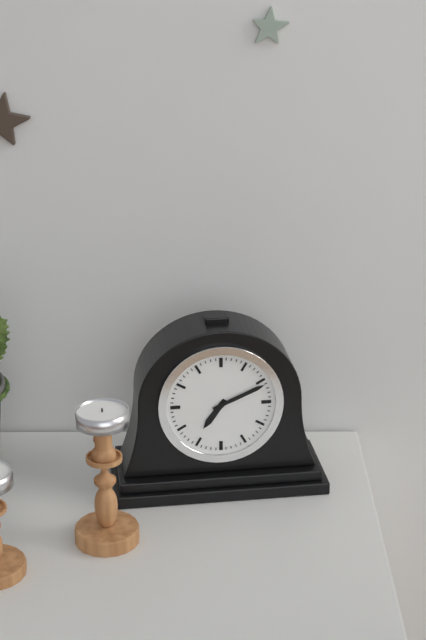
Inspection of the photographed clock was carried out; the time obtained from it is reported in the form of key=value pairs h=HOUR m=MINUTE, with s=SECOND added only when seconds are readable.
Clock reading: h=7 m=11
